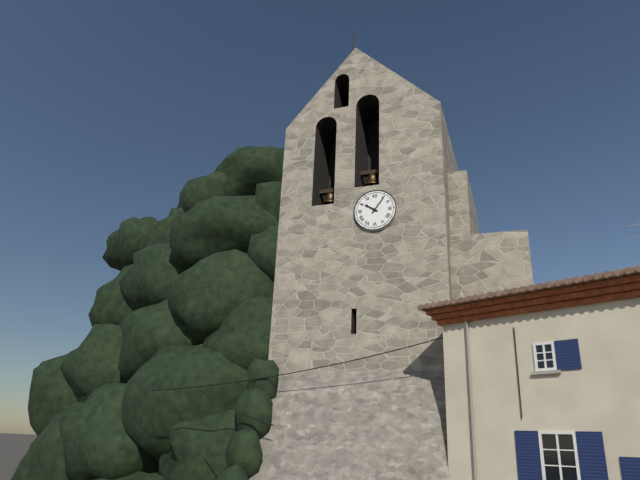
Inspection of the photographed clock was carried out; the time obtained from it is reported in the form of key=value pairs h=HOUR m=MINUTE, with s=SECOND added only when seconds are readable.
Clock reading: h=10 m=6
